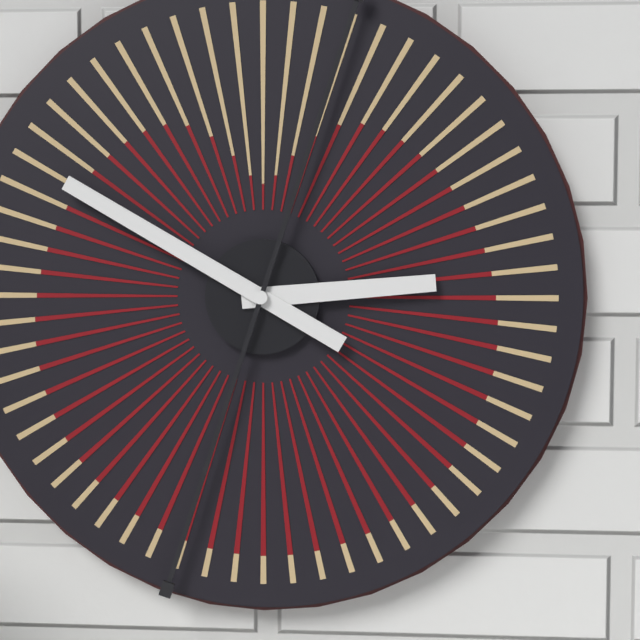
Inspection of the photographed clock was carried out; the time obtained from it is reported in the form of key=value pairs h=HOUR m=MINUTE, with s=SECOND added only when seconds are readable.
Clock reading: h=2 m=50
